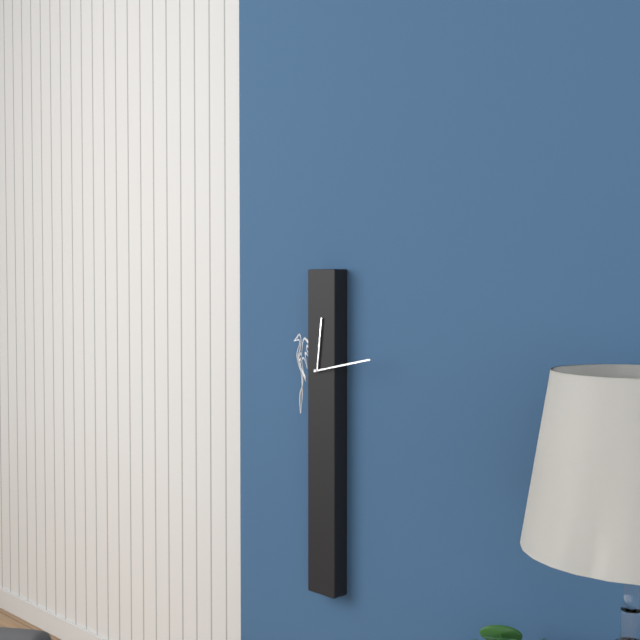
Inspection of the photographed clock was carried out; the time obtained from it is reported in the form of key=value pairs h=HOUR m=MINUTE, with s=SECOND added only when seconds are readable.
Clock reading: h=12 m=13
